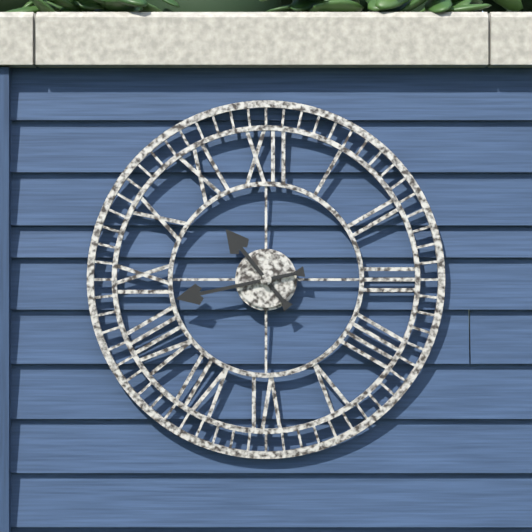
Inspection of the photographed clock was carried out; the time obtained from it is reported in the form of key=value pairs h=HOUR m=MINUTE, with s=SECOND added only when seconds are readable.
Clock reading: h=10 m=43
